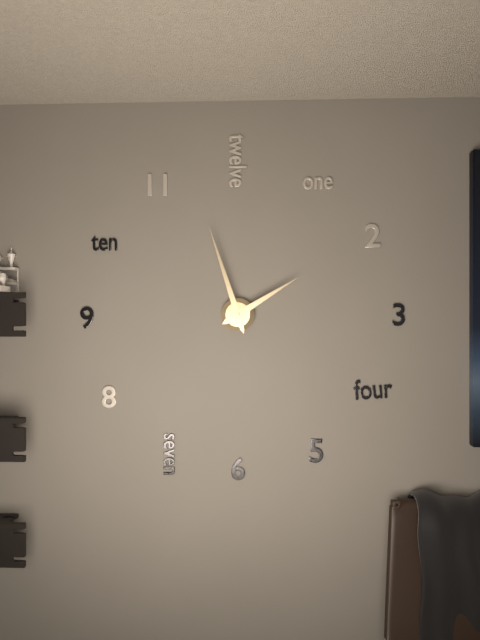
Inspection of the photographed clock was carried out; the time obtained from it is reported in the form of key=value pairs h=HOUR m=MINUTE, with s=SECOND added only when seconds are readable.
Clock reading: h=1 m=57
